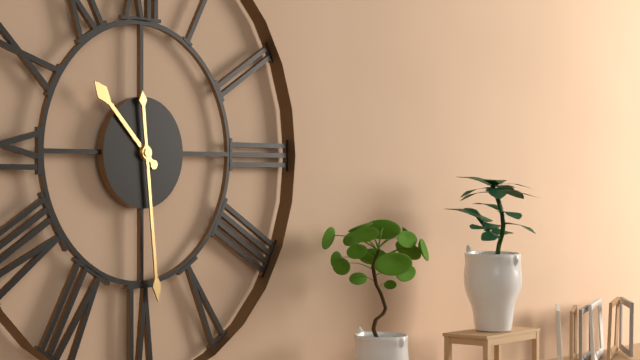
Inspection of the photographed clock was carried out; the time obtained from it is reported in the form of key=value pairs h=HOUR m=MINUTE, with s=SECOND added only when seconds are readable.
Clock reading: h=10 m=29
